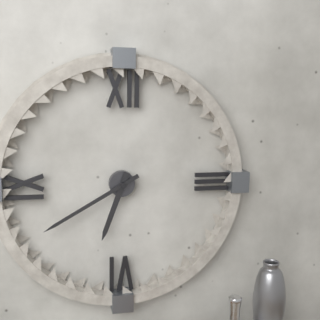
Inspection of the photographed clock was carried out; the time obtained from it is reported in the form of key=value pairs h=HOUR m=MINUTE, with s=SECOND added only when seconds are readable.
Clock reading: h=6 m=40
